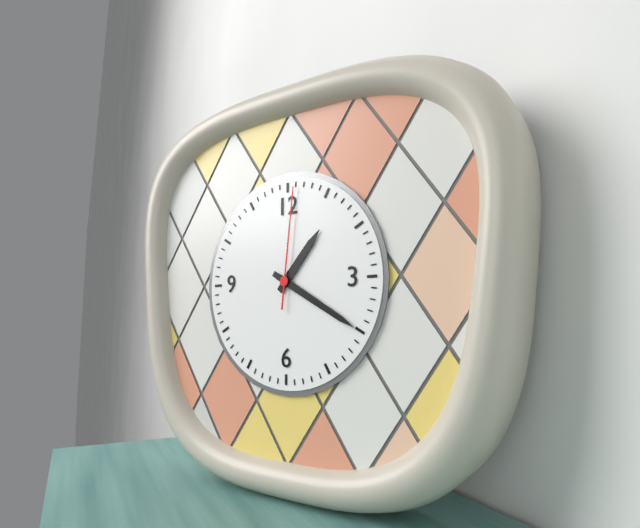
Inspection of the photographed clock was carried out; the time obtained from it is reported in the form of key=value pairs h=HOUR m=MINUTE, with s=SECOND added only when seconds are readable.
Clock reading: h=1 m=20 s=1
